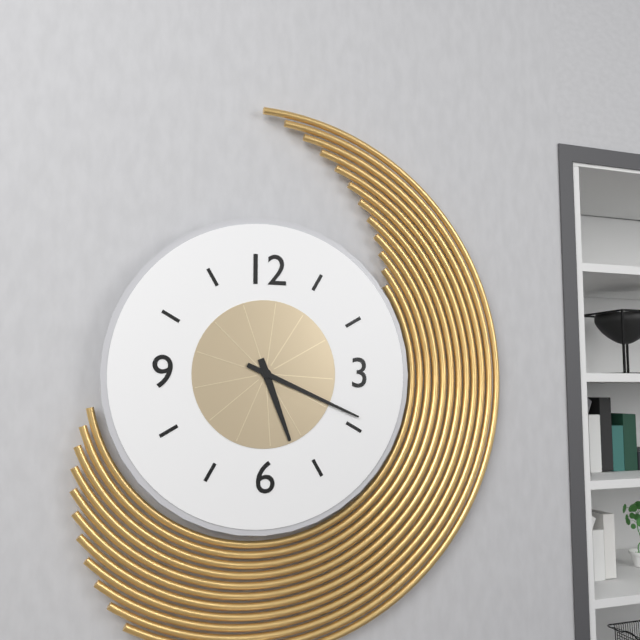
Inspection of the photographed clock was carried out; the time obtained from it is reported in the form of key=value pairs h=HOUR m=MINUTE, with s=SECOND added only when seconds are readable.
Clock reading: h=5 m=19
